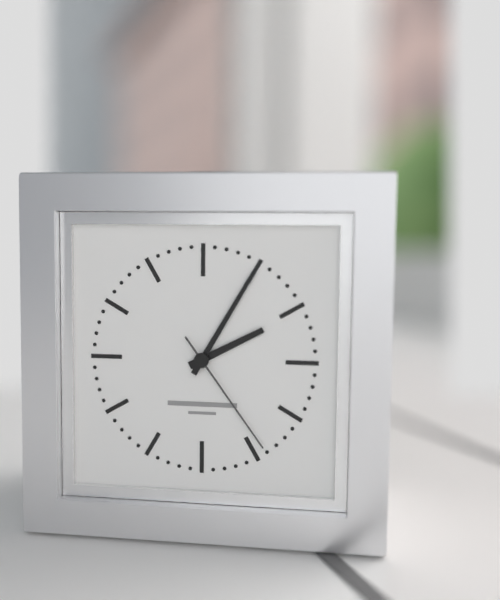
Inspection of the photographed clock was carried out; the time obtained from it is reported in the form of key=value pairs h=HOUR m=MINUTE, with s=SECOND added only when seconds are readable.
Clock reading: h=2 m=5 s=24
